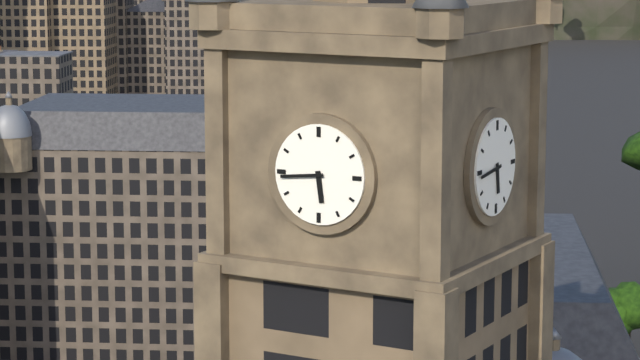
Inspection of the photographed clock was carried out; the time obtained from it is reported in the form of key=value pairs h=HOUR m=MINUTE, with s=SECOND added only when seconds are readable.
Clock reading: h=5 m=44
